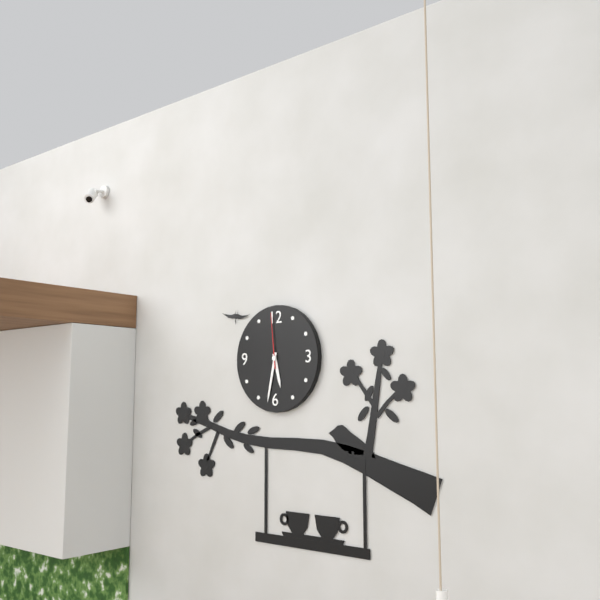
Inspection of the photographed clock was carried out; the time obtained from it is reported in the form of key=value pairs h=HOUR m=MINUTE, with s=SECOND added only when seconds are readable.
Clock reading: h=5 m=32 s=59
